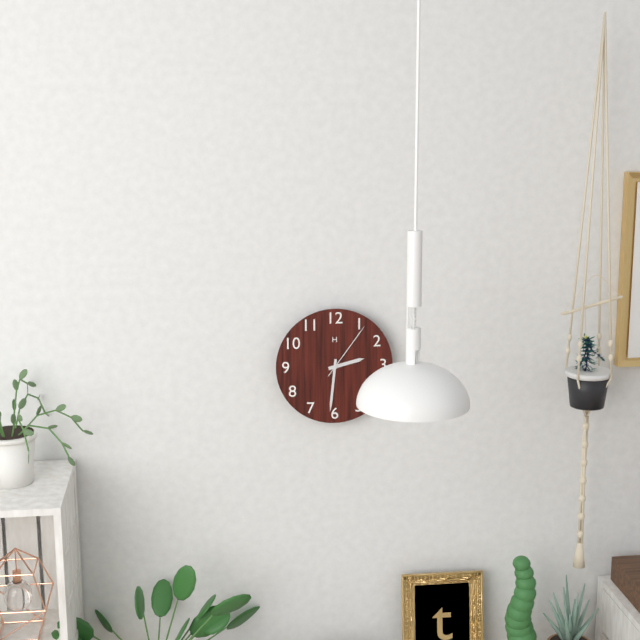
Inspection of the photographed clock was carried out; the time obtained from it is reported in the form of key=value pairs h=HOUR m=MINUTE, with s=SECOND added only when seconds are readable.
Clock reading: h=2 m=31 s=6
